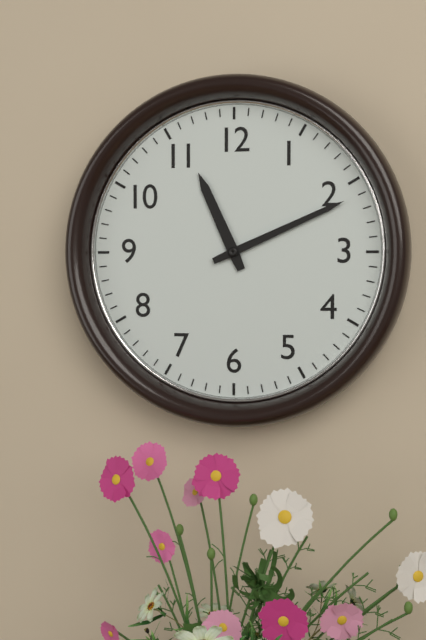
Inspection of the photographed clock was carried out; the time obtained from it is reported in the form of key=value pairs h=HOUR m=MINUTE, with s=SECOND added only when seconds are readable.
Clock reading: h=11 m=11
